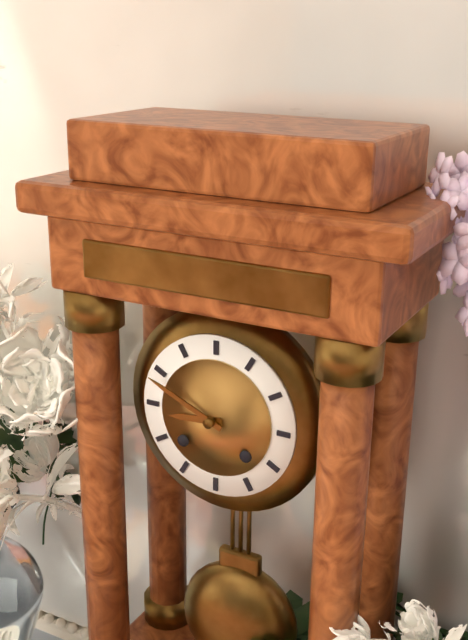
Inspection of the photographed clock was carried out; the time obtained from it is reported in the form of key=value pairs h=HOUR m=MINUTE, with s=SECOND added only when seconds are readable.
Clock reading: h=8 m=49
